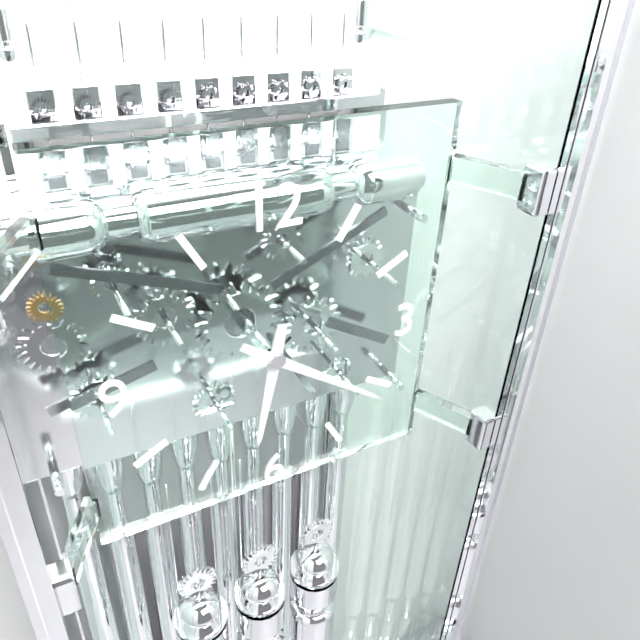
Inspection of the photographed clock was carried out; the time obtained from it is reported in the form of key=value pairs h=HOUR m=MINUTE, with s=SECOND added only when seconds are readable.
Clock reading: h=6 m=21
